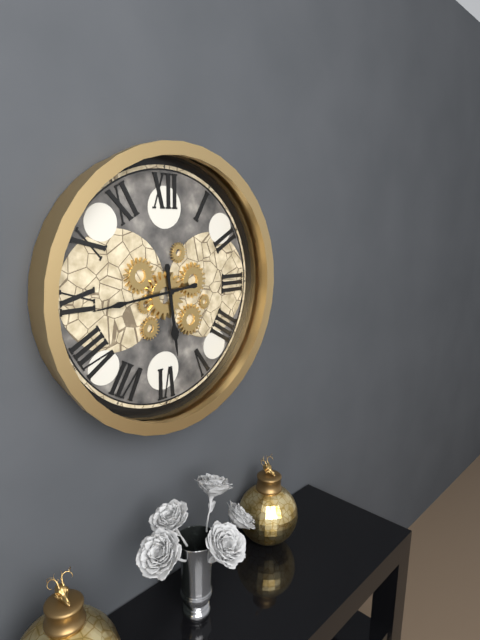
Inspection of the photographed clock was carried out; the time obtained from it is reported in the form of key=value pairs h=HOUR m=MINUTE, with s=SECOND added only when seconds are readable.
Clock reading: h=5 m=44
